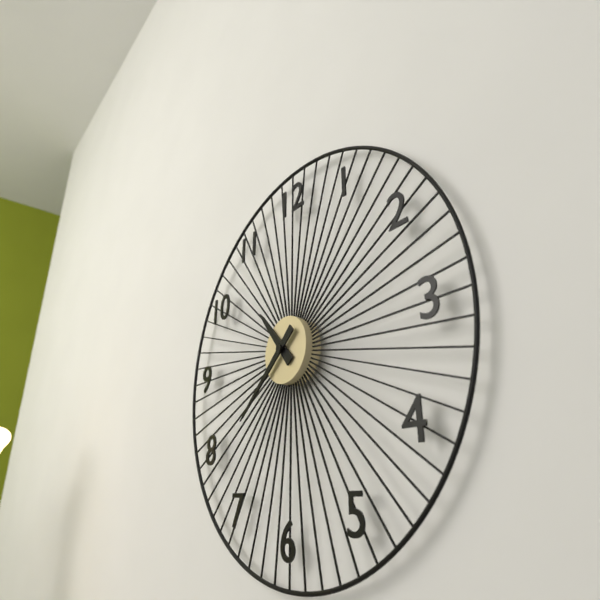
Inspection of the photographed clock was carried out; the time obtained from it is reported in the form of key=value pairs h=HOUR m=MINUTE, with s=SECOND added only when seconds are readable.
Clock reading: h=10 m=38
